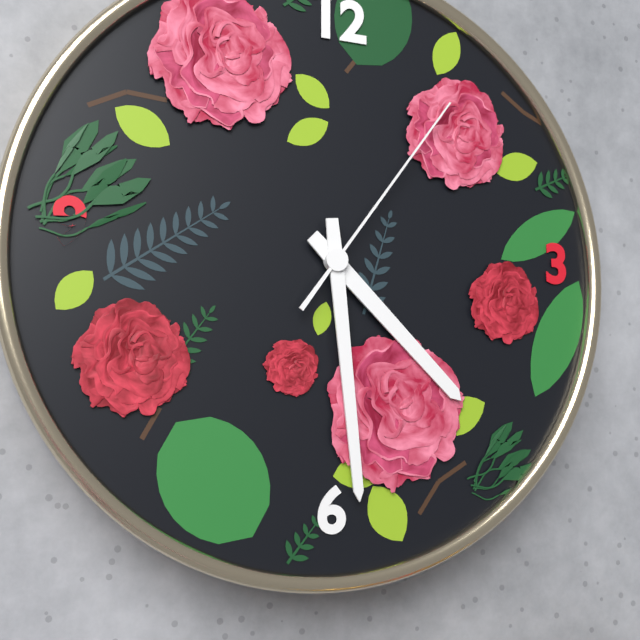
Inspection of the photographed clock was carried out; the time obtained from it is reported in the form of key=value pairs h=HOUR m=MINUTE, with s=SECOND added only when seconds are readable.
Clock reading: h=4 m=29 s=6
